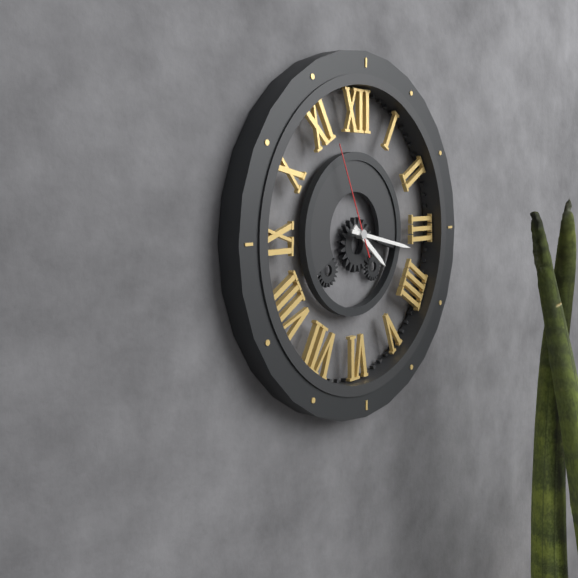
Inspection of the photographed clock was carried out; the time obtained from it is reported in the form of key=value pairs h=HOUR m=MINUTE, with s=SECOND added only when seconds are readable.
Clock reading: h=4 m=17 s=56
